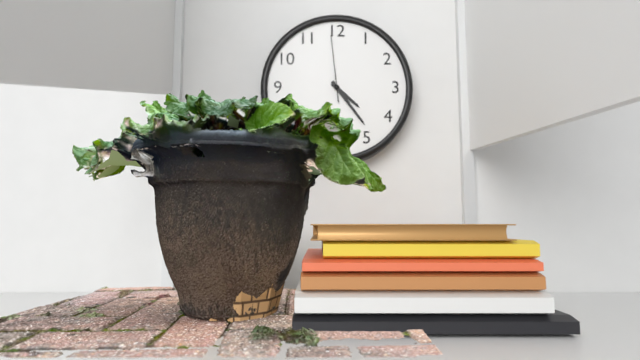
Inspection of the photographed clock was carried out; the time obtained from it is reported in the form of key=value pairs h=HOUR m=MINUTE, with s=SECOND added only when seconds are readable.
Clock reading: h=4 m=24 s=59
